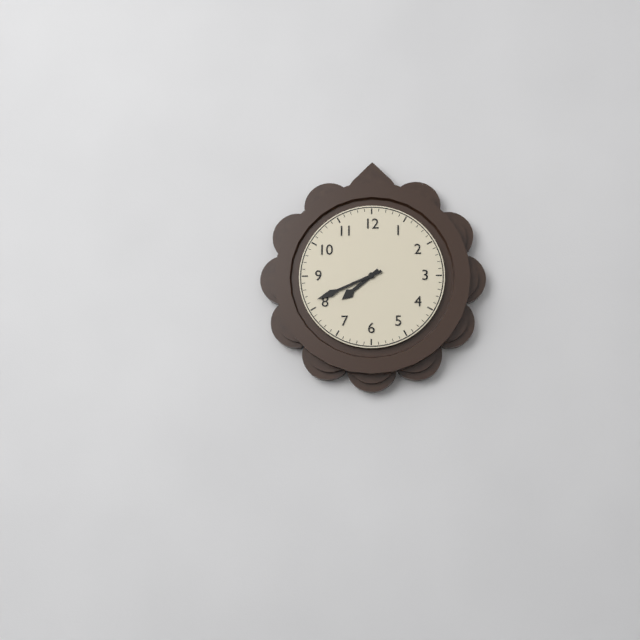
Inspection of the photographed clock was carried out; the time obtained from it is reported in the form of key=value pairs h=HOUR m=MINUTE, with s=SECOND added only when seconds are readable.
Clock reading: h=7 m=41
